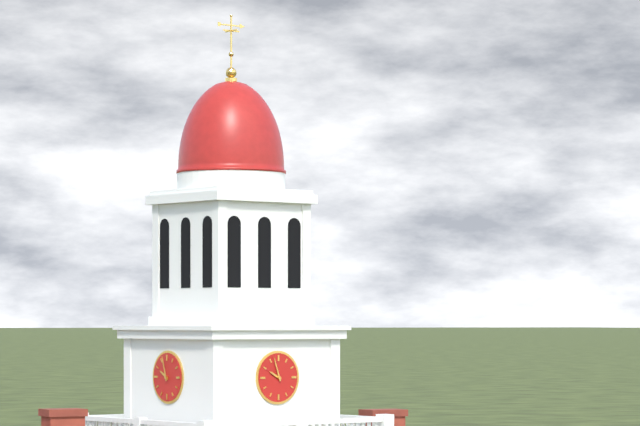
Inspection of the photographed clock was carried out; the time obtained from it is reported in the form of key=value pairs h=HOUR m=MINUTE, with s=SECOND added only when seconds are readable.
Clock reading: h=9 m=57
